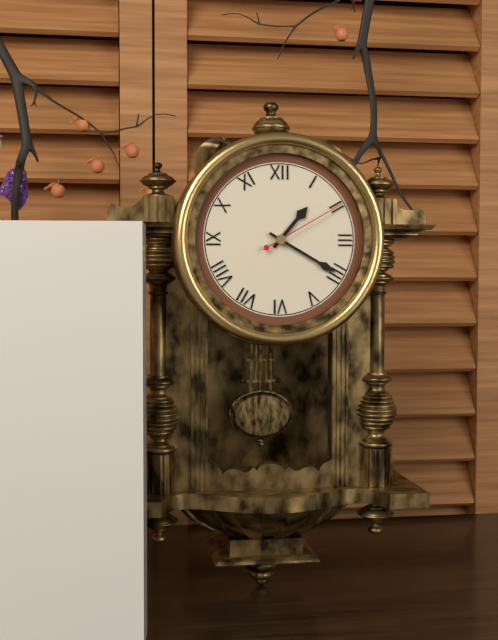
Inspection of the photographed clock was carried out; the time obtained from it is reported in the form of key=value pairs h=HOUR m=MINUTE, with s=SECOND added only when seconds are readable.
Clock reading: h=1 m=20 s=10
